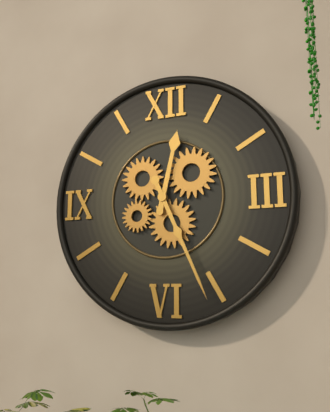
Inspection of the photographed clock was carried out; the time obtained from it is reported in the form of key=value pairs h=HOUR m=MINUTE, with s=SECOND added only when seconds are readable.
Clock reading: h=12 m=26
